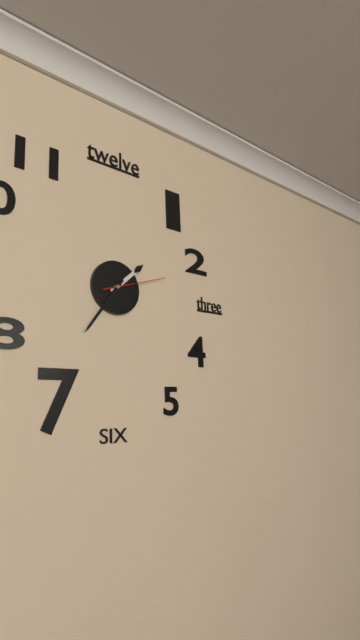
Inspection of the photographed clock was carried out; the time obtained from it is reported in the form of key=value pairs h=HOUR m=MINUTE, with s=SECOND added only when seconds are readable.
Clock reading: h=1 m=36 s=12
